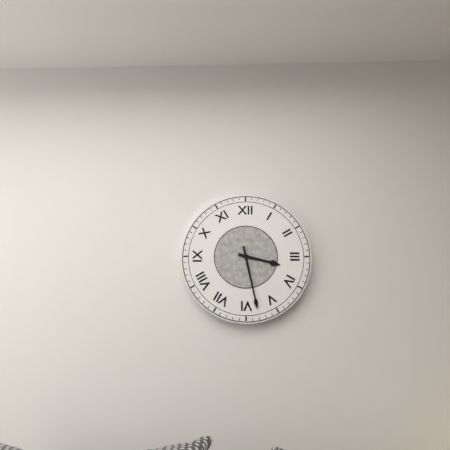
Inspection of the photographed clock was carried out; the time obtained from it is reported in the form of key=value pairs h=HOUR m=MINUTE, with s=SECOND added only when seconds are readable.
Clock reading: h=3 m=28
